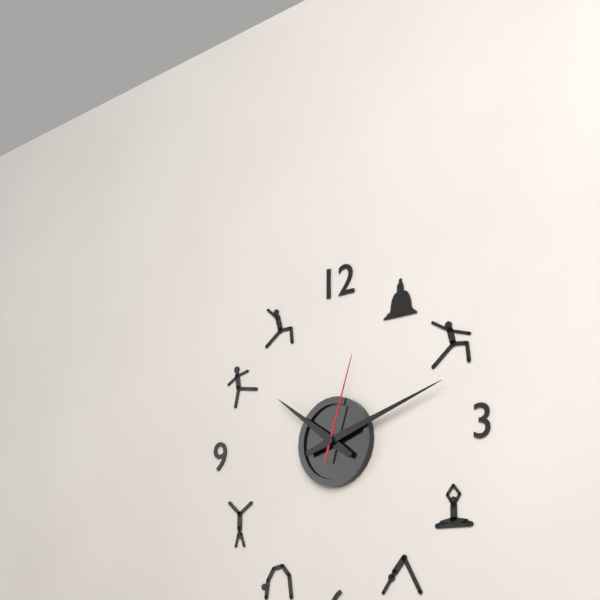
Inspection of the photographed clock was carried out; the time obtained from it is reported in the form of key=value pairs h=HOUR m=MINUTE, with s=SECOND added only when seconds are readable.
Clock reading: h=10 m=12 s=3
